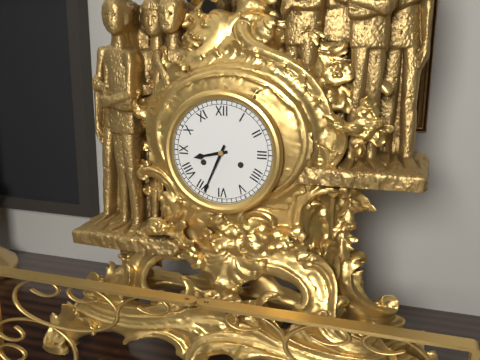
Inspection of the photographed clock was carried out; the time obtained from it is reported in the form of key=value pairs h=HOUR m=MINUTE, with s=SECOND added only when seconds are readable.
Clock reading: h=8 m=34
